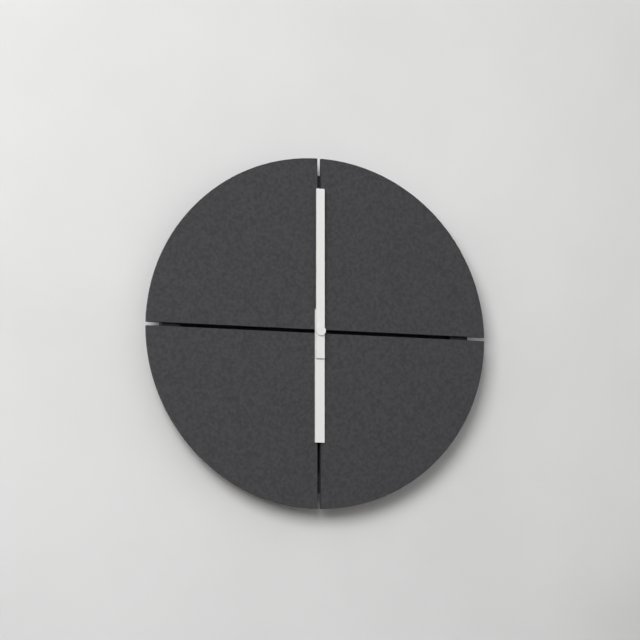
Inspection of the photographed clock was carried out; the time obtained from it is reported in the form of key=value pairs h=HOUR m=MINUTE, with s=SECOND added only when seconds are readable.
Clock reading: h=6 m=0
